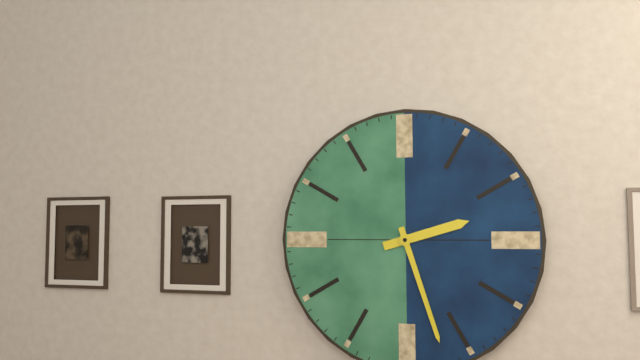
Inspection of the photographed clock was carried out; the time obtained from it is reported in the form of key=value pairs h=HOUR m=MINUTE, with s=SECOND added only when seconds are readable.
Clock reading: h=2 m=27
